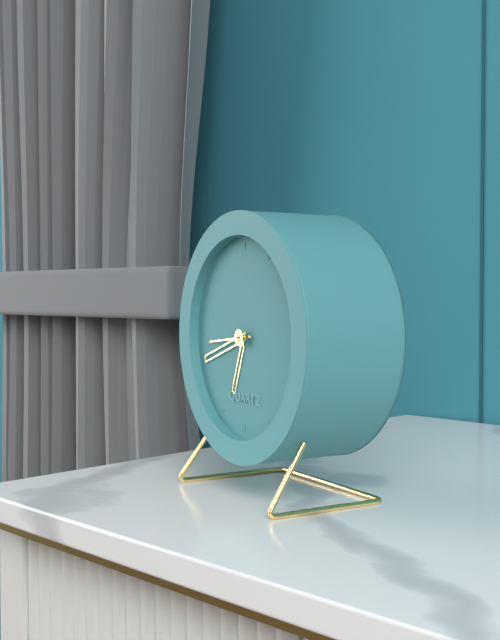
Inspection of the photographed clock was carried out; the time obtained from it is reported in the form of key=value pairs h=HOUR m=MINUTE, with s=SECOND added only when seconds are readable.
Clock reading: h=6 m=42
